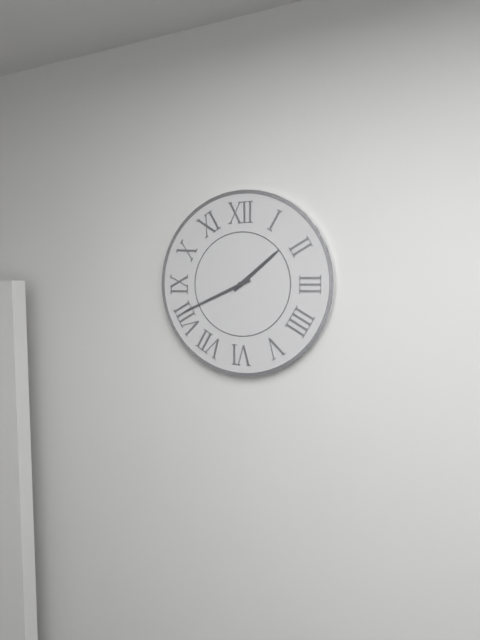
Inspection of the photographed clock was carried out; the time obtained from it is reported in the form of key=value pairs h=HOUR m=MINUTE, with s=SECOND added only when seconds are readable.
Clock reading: h=1 m=41
